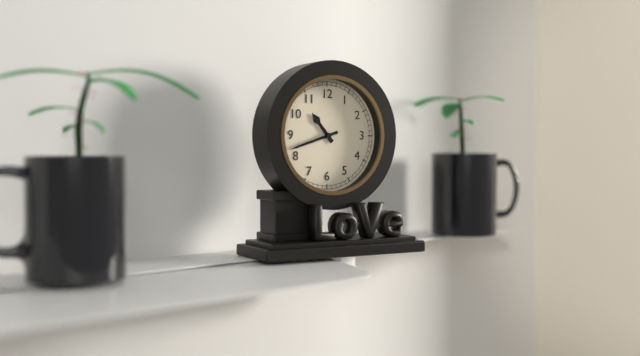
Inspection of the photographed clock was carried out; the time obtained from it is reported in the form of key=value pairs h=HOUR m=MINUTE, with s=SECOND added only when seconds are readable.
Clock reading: h=10 m=42
